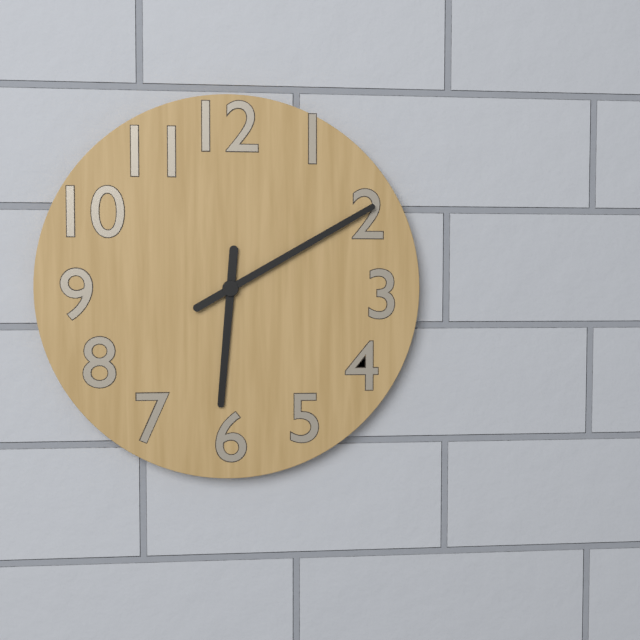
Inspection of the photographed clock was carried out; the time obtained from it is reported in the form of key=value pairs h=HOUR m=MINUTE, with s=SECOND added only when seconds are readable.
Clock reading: h=6 m=10
